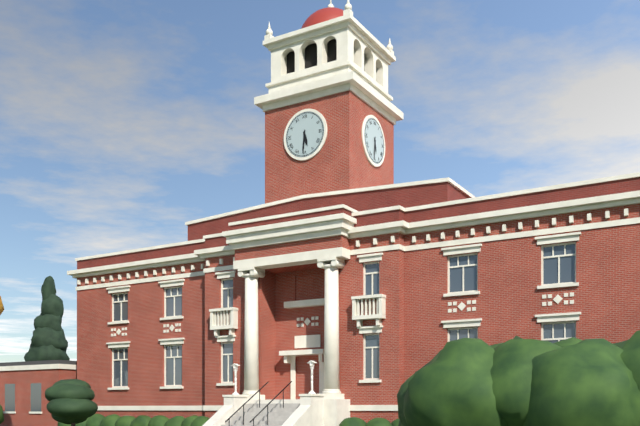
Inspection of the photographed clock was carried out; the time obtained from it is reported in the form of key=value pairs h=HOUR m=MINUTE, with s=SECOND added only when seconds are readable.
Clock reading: h=5 m=31
